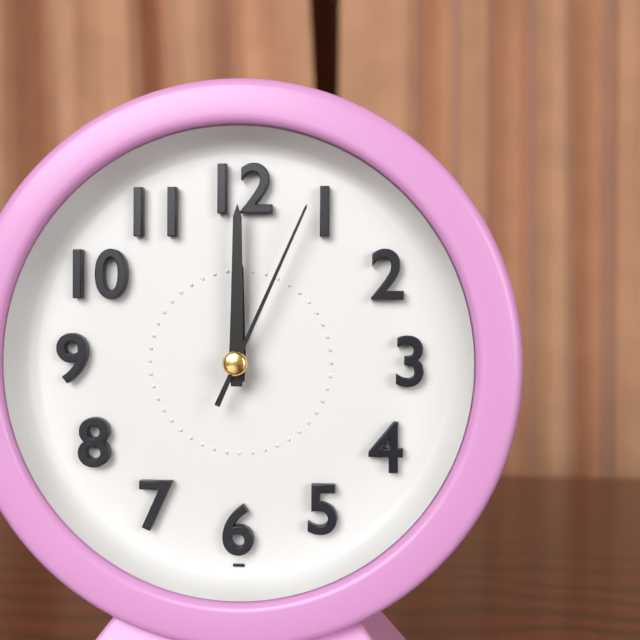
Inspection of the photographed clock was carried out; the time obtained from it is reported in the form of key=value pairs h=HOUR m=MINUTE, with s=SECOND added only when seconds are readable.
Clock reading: h=12 m=0 s=4
